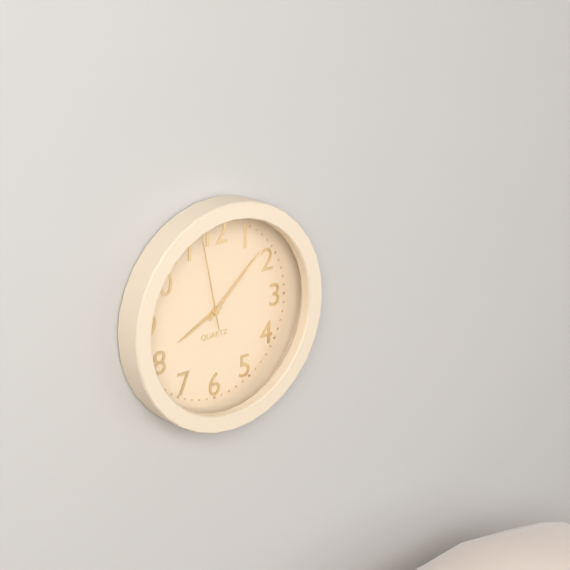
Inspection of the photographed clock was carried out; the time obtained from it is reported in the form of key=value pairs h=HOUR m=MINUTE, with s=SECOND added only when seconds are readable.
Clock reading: h=8 m=8 s=58
